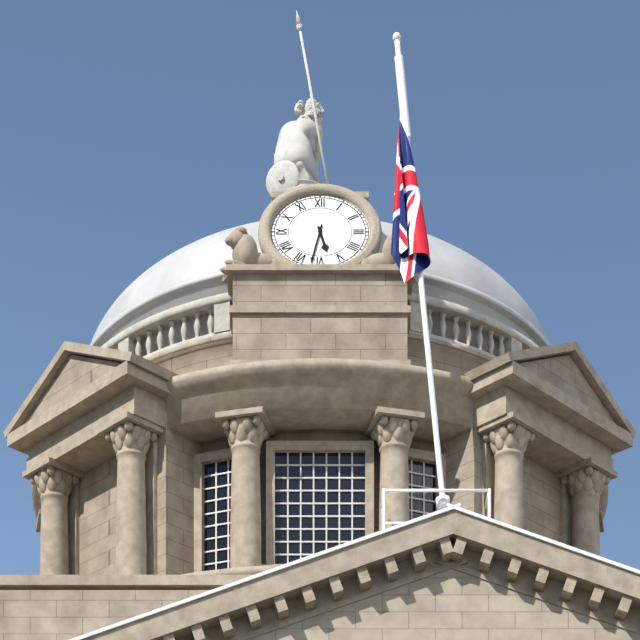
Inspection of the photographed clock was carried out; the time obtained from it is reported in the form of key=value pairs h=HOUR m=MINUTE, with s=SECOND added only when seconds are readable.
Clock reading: h=5 m=32
